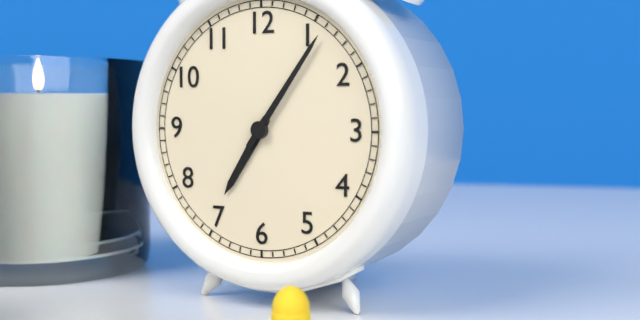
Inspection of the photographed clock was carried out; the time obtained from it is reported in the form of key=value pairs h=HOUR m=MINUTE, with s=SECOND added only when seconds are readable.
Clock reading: h=7 m=6
